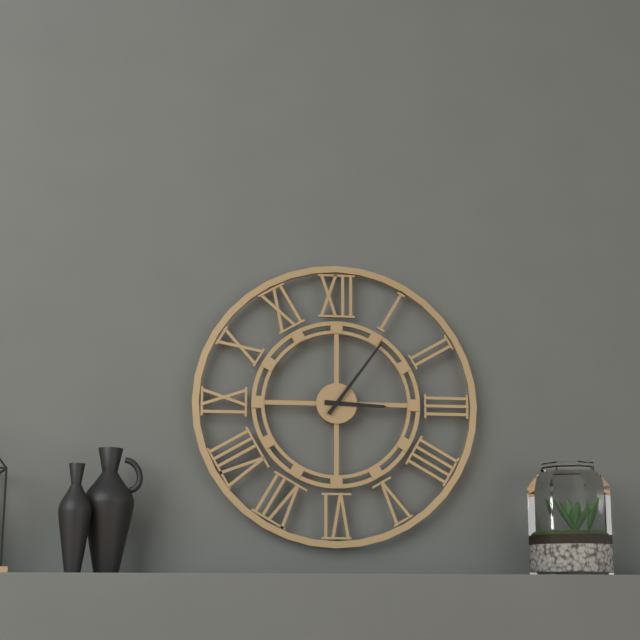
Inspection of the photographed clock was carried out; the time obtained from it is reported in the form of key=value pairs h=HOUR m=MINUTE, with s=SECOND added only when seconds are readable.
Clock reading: h=3 m=6
